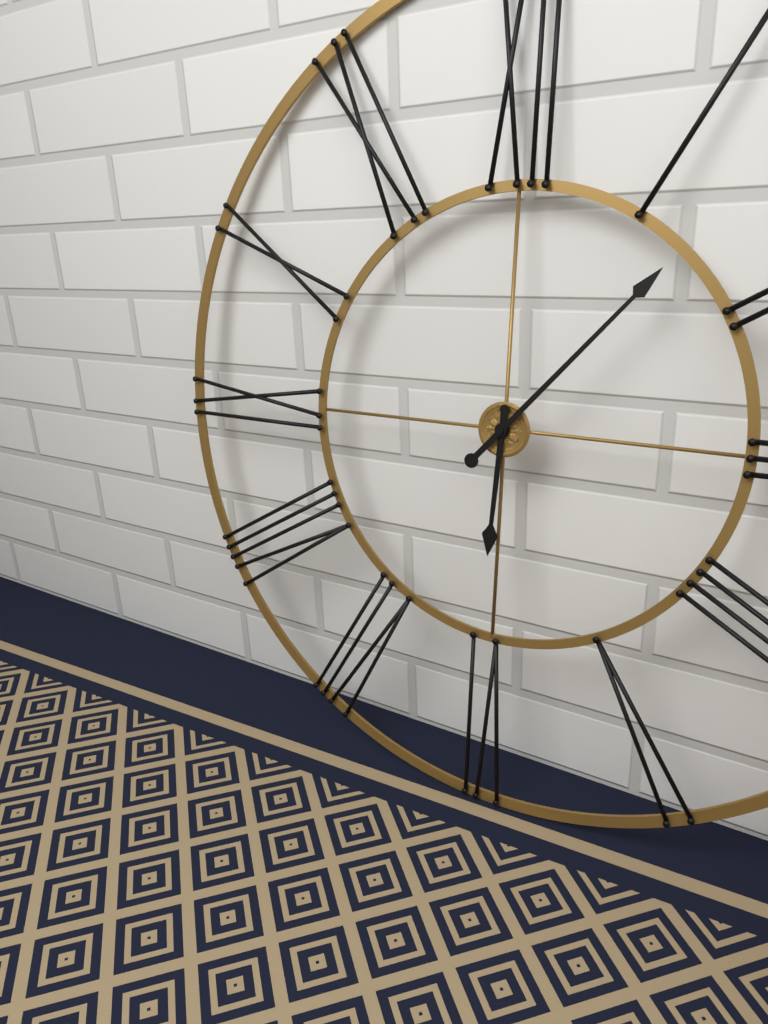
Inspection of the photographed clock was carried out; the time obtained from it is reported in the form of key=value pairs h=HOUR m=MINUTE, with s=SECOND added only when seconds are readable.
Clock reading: h=6 m=7
